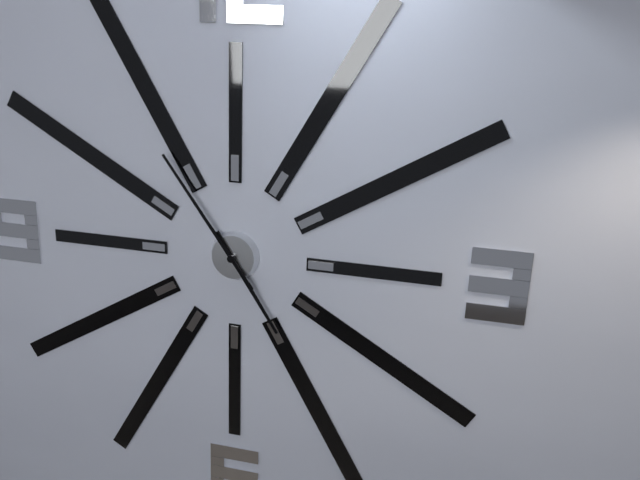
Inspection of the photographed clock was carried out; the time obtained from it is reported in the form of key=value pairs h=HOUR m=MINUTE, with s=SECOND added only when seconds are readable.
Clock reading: h=4 m=54
